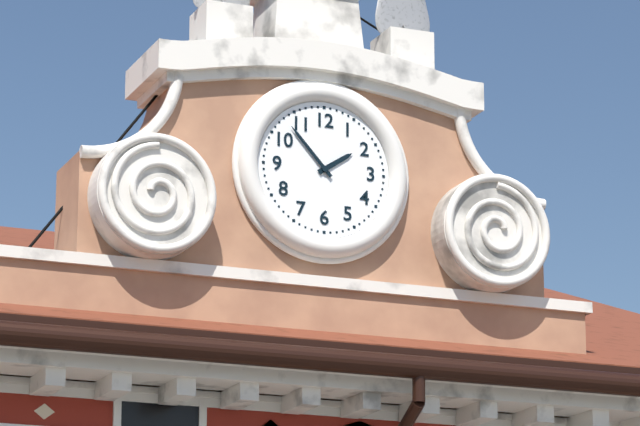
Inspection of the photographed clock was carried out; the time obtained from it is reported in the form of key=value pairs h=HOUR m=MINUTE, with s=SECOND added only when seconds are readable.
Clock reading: h=1 m=53
